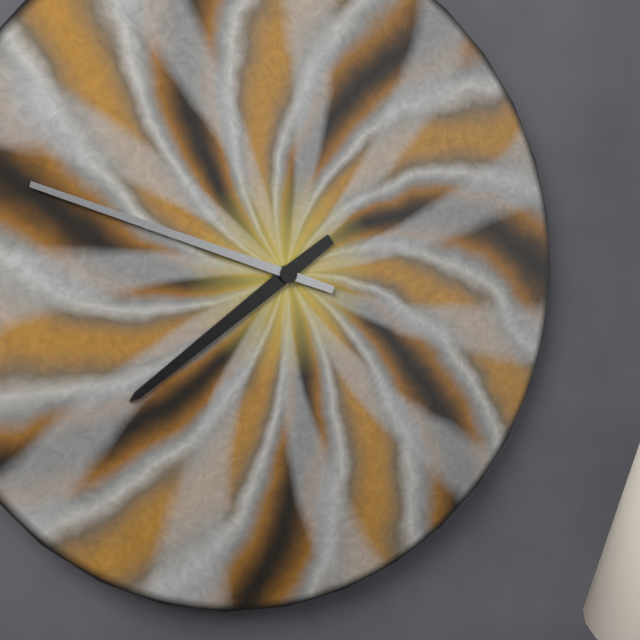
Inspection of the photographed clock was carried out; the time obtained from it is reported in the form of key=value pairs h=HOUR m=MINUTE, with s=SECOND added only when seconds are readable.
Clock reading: h=7 m=48
